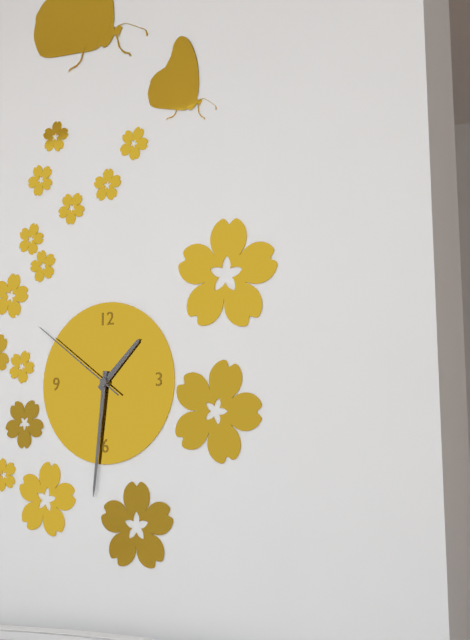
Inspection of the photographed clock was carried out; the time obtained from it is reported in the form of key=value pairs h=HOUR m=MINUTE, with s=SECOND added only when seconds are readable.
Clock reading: h=1 m=31 s=51
